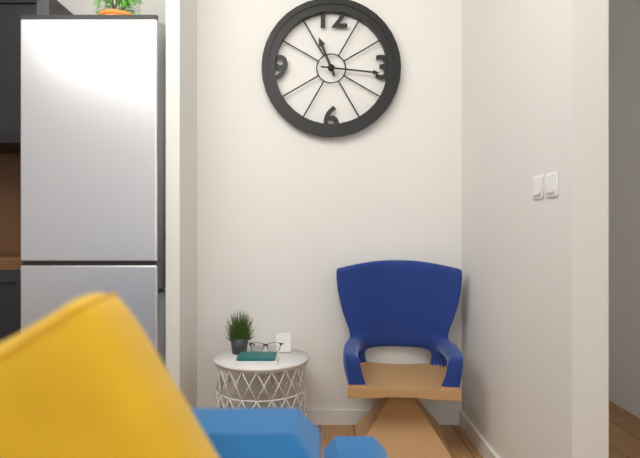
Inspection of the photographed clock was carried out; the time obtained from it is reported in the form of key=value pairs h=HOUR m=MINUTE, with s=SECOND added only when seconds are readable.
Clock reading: h=11 m=16
